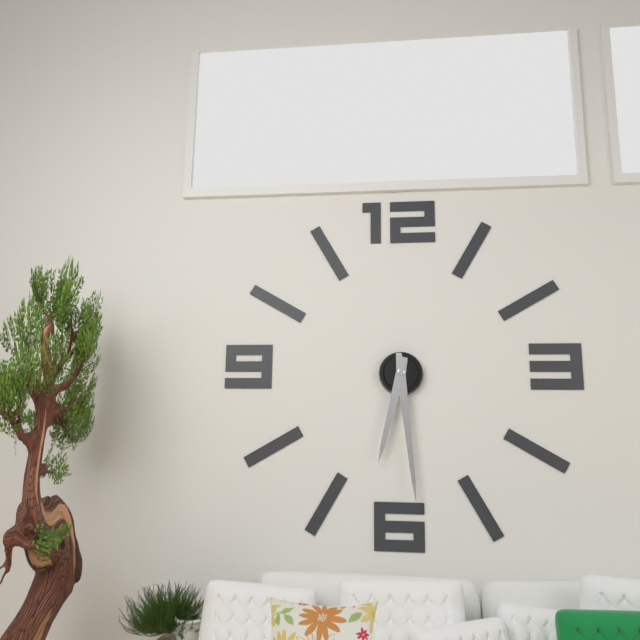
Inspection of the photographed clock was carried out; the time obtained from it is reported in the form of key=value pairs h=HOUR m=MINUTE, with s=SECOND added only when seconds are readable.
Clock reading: h=6 m=29
